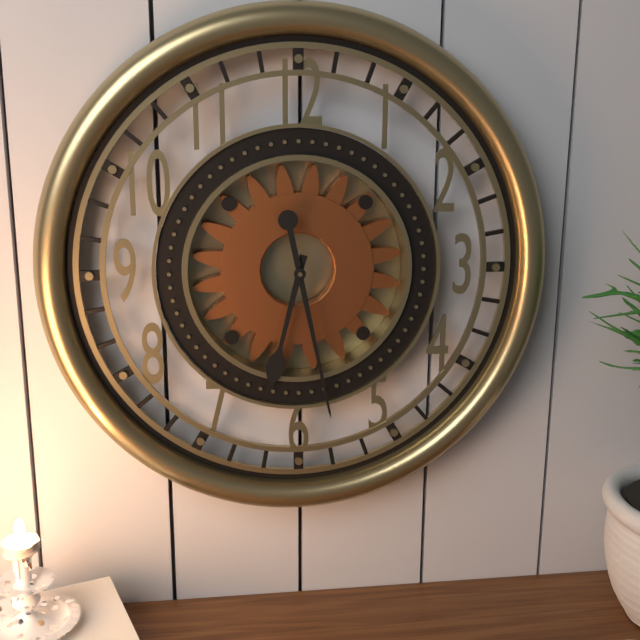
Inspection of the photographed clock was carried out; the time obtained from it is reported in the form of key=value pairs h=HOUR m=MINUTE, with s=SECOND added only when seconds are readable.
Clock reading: h=6 m=28
